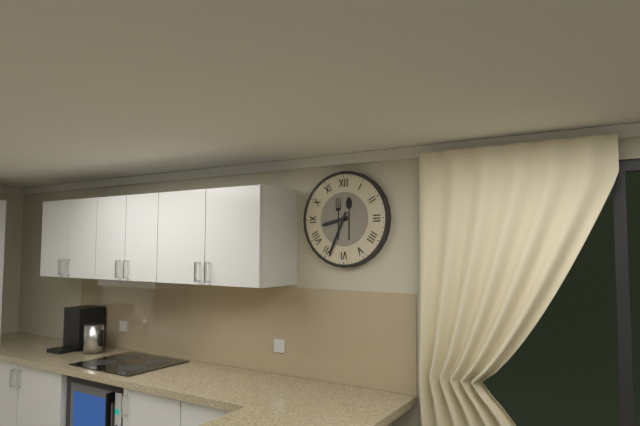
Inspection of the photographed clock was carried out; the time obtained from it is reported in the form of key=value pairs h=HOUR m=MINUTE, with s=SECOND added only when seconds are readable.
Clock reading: h=8 m=34
